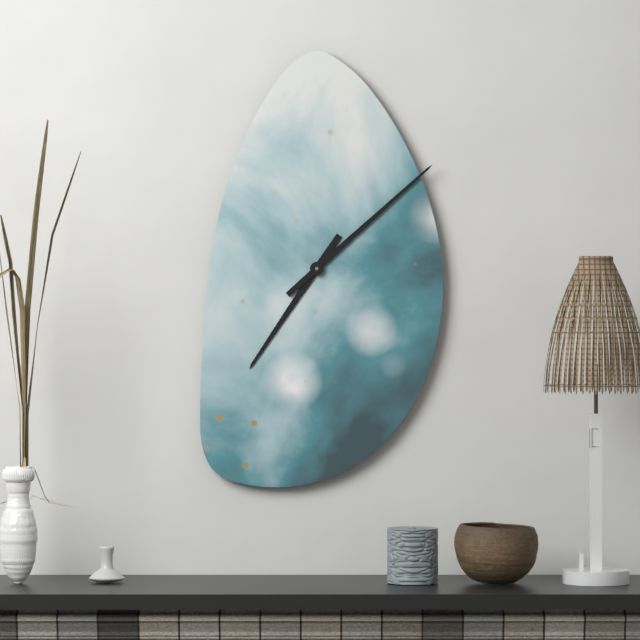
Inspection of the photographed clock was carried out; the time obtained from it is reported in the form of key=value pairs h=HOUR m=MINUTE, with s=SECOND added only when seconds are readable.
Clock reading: h=7 m=8
